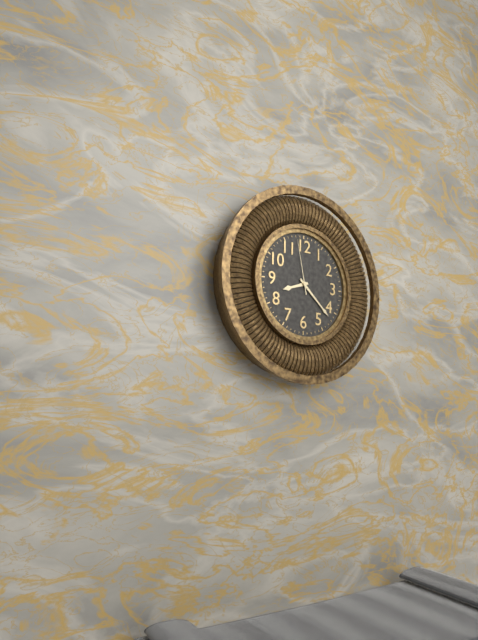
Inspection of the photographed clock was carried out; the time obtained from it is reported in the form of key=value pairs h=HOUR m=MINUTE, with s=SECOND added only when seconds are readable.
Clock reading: h=8 m=22 s=58
